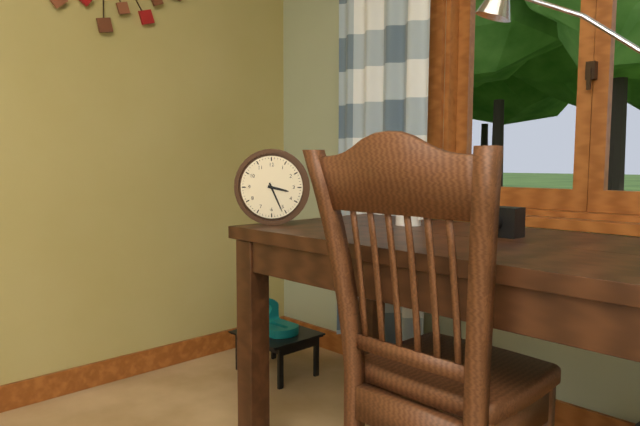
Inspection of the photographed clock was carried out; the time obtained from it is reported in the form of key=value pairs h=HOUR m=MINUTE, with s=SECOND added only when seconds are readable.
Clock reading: h=3 m=26
